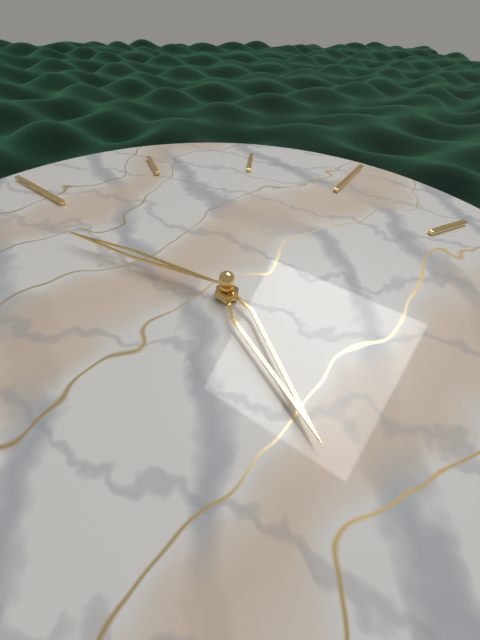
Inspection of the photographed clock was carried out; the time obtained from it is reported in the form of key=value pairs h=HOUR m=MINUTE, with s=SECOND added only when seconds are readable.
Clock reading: h=6 m=58
